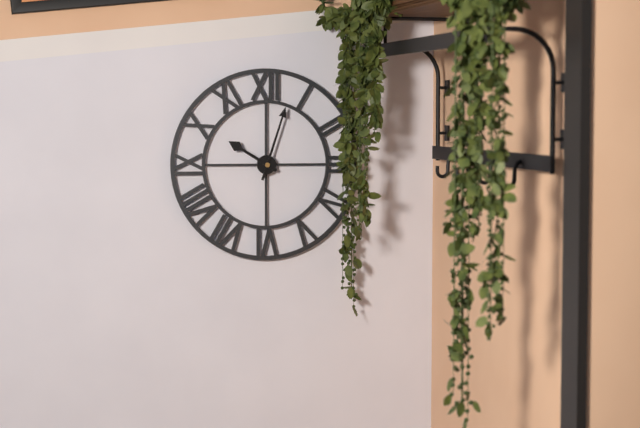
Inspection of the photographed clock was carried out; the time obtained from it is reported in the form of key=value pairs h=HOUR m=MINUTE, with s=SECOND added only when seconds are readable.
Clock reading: h=10 m=3
